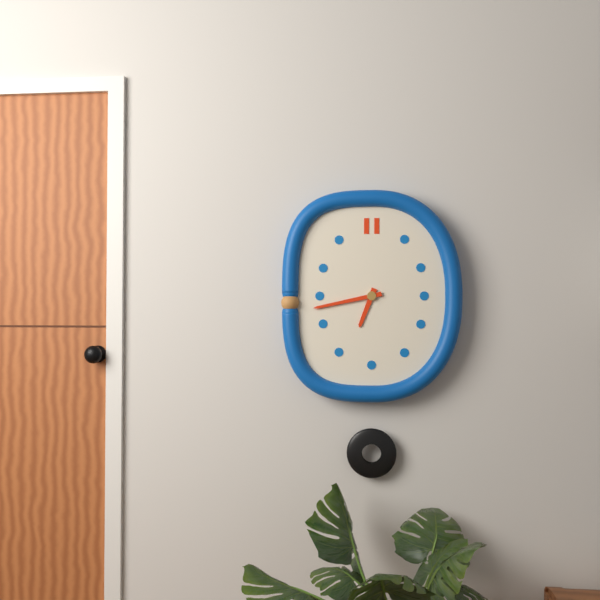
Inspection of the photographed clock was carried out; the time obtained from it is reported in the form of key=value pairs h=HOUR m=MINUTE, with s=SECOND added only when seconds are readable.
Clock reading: h=6 m=43
